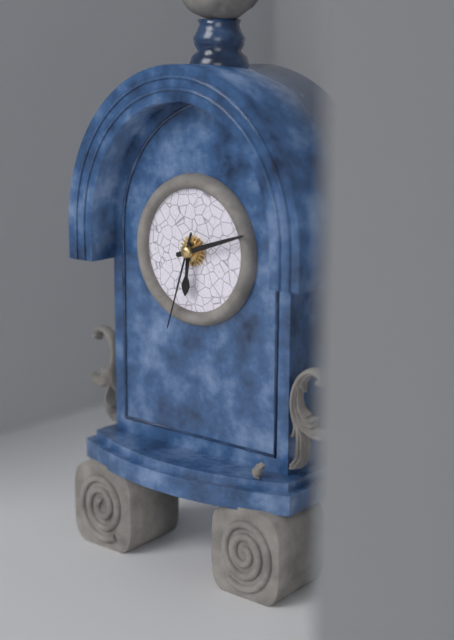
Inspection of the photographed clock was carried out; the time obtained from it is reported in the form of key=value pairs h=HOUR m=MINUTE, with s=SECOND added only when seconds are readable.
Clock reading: h=6 m=12 s=33
